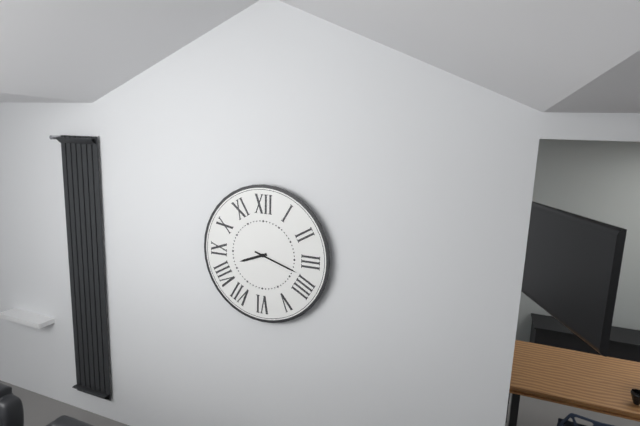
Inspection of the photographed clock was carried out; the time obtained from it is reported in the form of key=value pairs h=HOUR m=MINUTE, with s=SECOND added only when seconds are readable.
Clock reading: h=8 m=18
